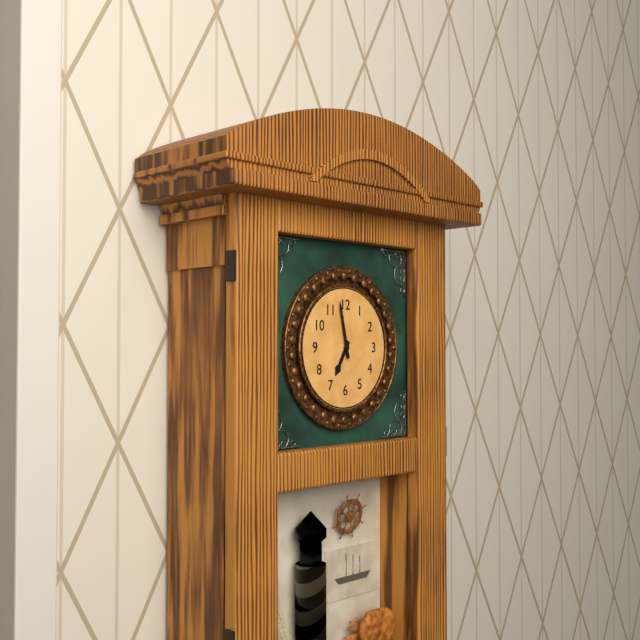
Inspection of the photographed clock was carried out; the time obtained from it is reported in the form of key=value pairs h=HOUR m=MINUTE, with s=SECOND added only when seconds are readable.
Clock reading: h=6 m=58
